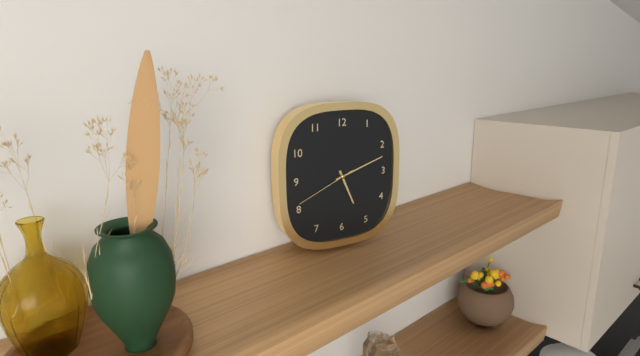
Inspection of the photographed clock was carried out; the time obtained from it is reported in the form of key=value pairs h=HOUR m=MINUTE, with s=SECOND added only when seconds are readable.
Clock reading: h=5 m=12 s=41
